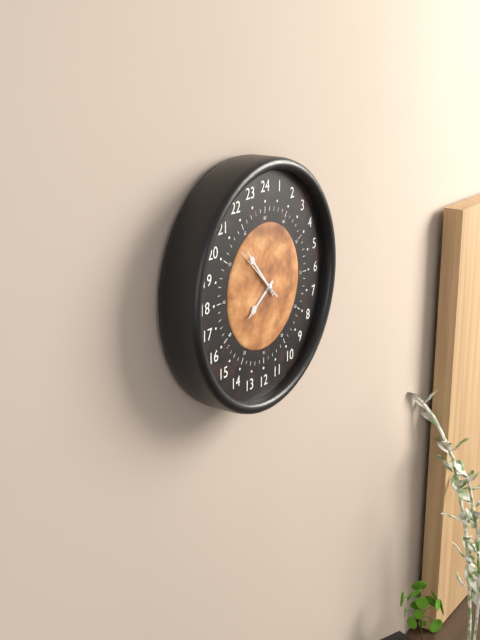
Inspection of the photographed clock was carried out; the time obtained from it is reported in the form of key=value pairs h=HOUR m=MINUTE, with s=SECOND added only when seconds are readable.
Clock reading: h=7 m=53
